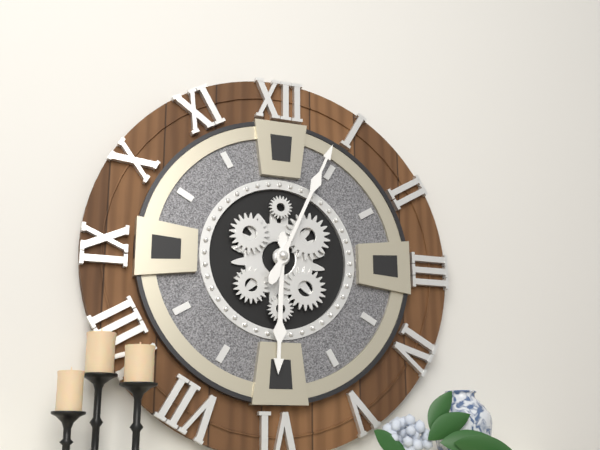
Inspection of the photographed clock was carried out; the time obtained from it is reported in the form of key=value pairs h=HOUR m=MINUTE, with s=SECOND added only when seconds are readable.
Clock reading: h=6 m=4
